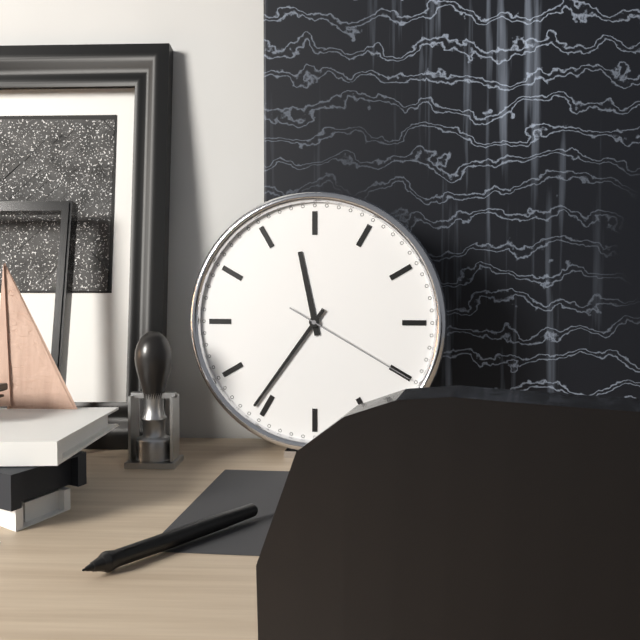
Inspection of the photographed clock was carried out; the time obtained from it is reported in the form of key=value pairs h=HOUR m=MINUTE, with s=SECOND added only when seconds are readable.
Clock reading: h=11 m=36 s=20
